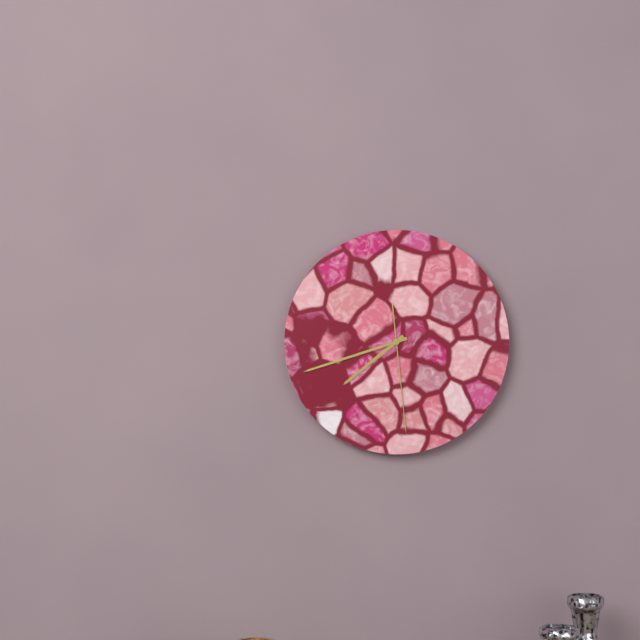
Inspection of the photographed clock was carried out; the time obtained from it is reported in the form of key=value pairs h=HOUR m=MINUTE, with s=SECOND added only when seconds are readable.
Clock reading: h=7 m=42 s=29
